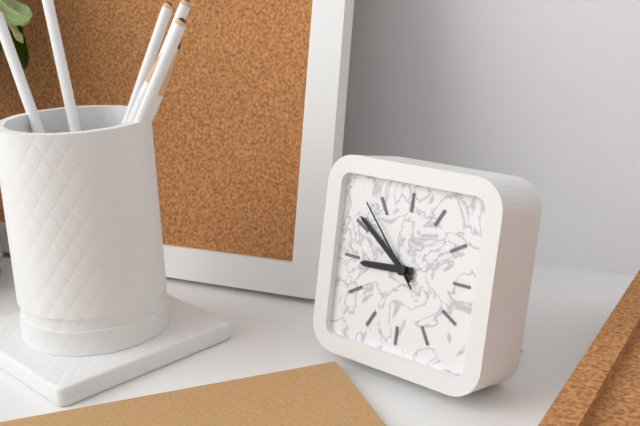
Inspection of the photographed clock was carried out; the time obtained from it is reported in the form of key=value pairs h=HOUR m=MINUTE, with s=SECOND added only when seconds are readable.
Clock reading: h=8 m=51 s=53
